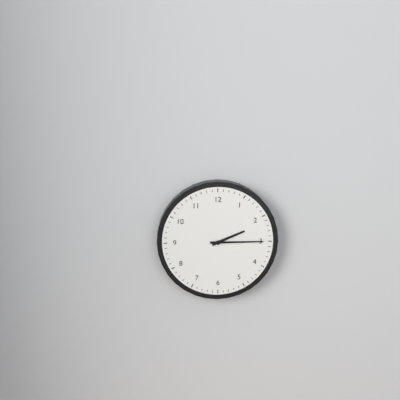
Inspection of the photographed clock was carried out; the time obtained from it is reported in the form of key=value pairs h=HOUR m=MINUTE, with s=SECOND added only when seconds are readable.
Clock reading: h=2 m=15
